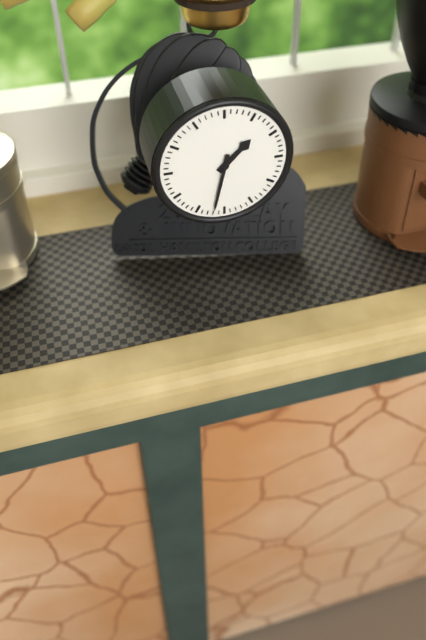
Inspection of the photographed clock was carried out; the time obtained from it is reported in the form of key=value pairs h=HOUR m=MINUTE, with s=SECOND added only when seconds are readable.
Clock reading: h=1 m=32
